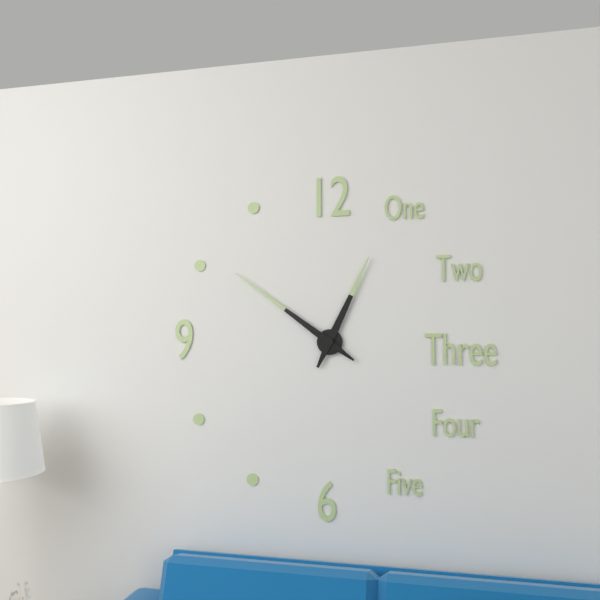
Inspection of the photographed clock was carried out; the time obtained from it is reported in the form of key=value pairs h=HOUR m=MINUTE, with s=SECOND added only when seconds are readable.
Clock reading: h=12 m=51
